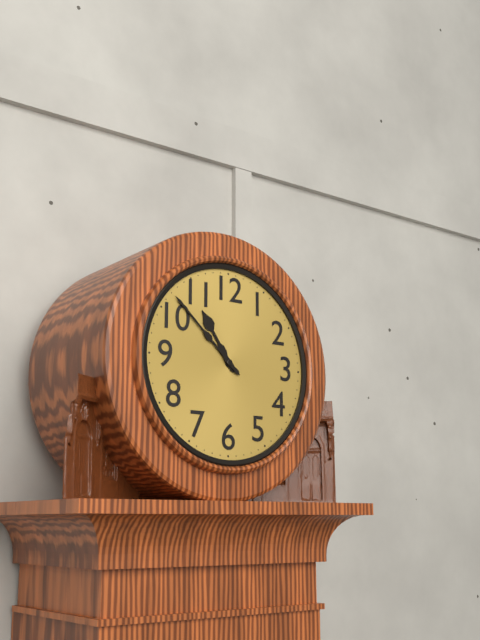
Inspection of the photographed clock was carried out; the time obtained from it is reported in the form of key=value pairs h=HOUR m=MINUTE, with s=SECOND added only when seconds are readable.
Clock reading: h=10 m=52
